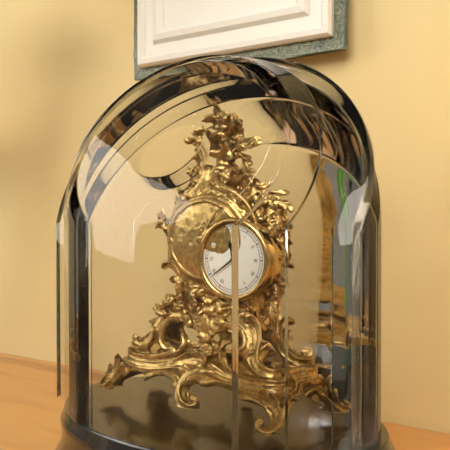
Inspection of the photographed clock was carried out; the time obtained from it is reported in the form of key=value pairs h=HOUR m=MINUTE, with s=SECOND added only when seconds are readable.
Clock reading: h=11 m=39
